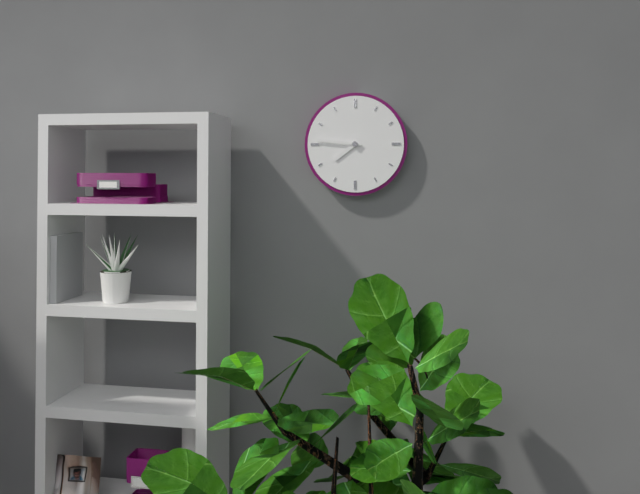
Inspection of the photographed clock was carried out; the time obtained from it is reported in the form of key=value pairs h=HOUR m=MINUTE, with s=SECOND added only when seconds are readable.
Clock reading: h=7 m=46
